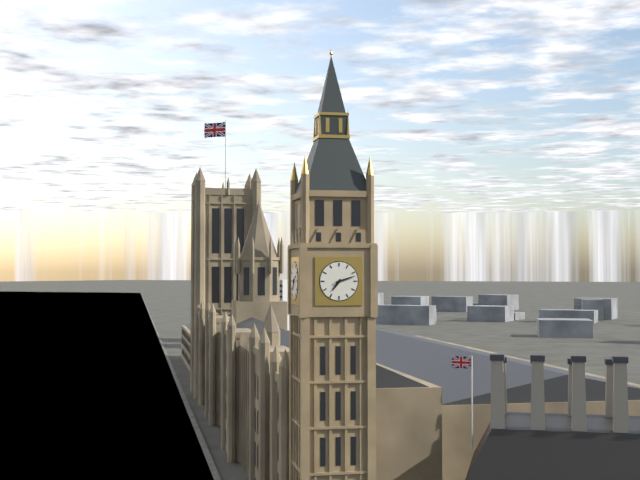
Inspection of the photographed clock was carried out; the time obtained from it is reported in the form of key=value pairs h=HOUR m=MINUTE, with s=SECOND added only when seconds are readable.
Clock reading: h=7 m=12
